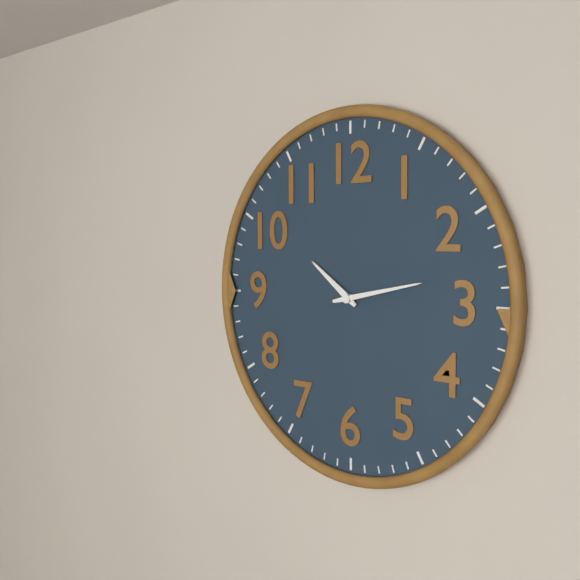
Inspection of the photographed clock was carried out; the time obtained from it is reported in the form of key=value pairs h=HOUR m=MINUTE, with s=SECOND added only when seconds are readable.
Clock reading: h=10 m=13
